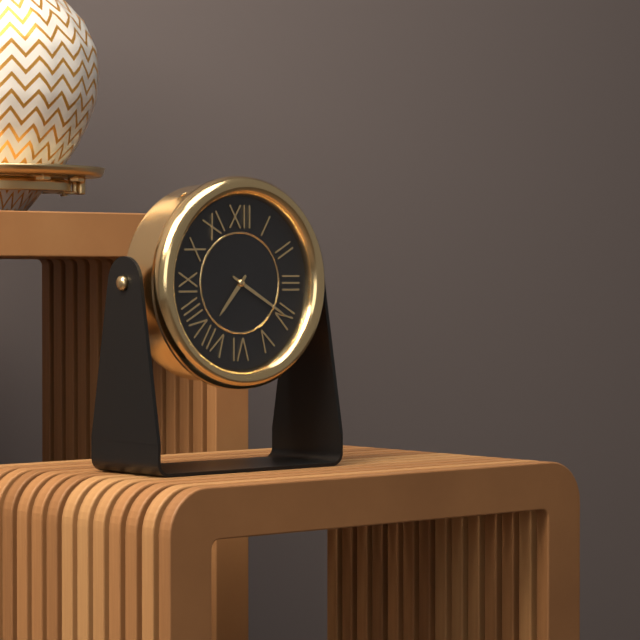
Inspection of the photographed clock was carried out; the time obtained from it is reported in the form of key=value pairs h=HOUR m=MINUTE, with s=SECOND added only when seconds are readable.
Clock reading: h=7 m=20
